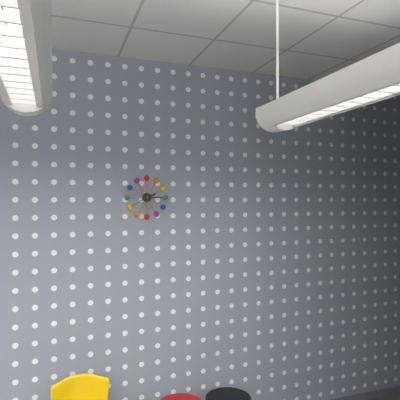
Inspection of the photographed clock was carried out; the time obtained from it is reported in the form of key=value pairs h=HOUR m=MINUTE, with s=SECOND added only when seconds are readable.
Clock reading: h=2 m=15
